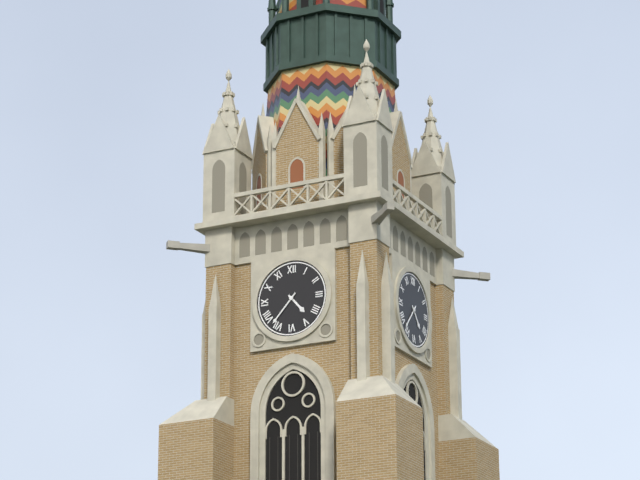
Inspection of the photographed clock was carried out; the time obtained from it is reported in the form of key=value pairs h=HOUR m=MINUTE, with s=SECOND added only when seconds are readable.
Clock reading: h=4 m=37
